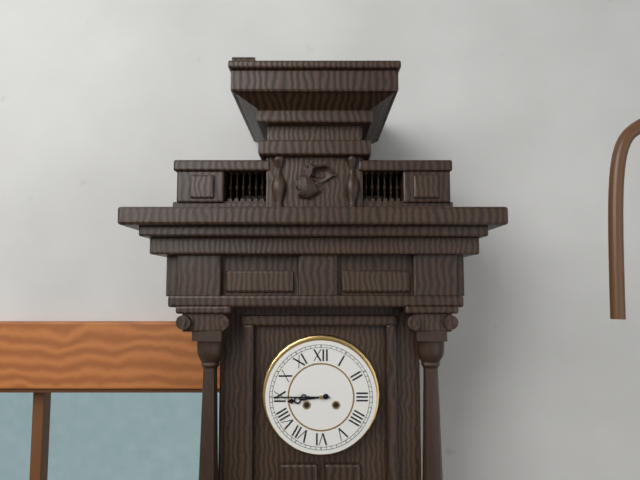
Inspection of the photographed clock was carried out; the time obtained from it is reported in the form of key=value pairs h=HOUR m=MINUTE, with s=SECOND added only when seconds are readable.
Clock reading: h=8 m=45
